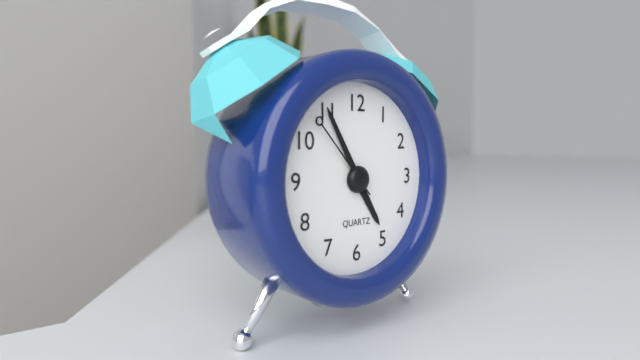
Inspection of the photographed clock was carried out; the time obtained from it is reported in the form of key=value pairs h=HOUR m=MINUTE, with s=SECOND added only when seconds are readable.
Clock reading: h=4 m=55 s=53
